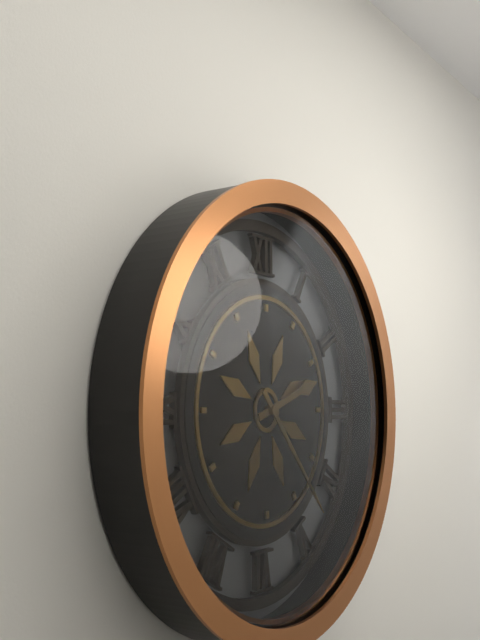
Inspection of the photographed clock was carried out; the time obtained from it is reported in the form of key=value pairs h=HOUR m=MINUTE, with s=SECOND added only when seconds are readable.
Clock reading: h=2 m=23
